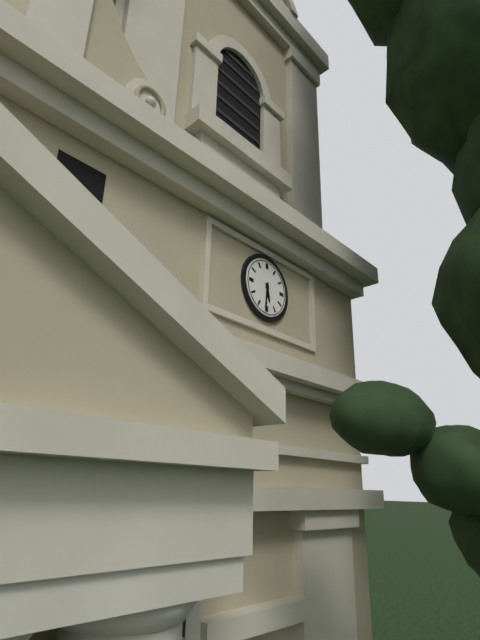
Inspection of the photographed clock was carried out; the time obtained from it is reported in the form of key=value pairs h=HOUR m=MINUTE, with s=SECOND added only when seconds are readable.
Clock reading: h=5 m=31
